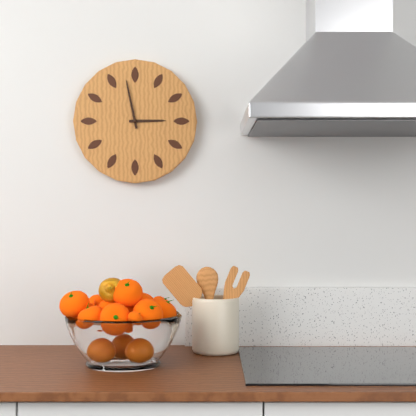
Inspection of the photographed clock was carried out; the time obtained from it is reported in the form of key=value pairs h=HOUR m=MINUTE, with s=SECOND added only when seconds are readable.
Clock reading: h=2 m=58
